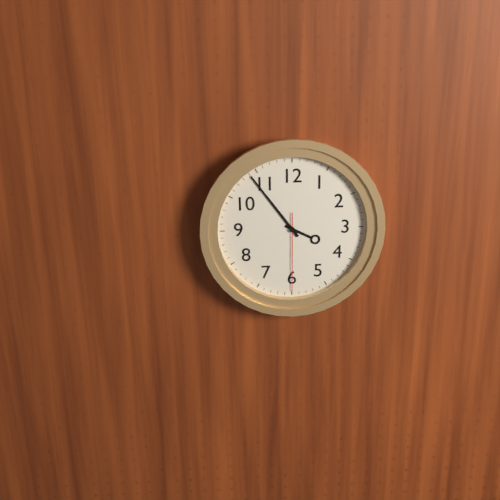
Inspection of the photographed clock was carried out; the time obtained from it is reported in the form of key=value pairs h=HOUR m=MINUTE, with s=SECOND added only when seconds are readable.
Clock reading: h=3 m=54 s=30
